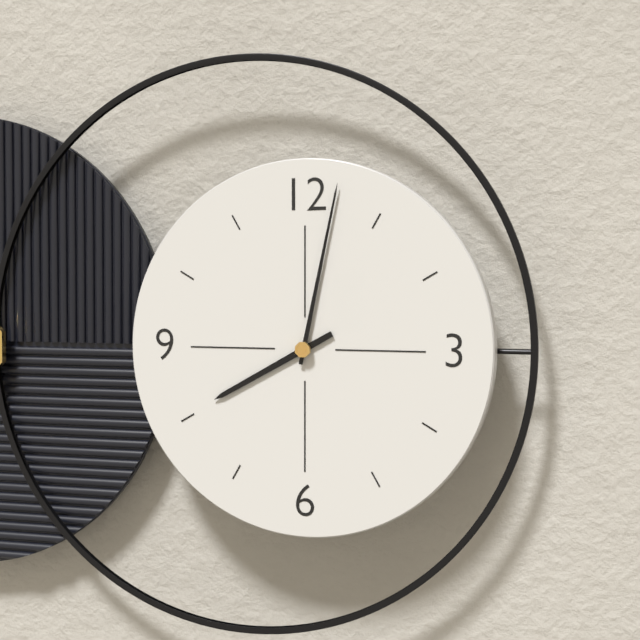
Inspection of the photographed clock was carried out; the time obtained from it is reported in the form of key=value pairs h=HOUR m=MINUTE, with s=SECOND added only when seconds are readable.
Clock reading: h=8 m=2
